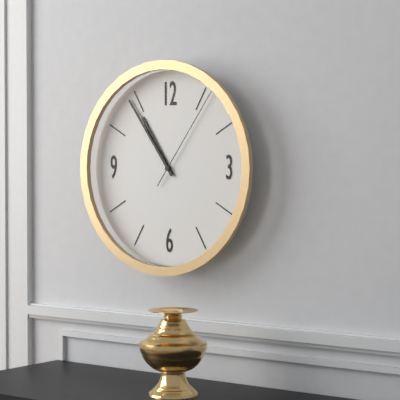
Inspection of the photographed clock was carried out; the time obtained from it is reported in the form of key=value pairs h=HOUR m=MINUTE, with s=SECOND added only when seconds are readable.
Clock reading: h=10 m=54 s=6
